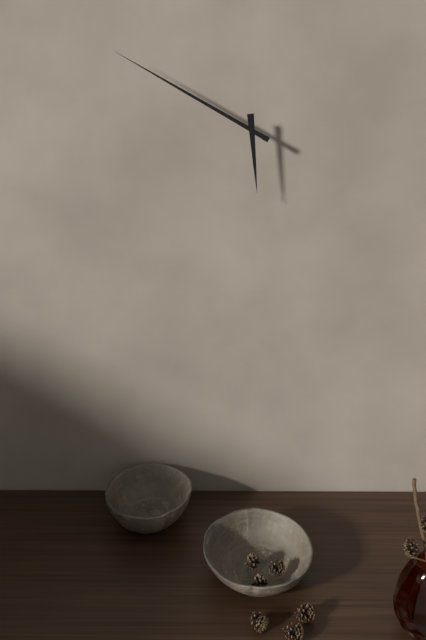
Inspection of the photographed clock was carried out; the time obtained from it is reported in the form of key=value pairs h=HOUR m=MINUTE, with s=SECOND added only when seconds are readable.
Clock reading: h=5 m=50
